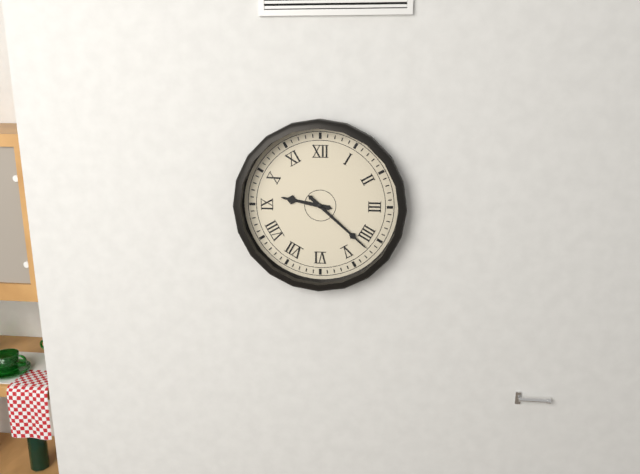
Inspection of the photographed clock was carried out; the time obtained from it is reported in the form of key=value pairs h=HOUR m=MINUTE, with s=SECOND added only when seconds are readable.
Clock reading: h=9 m=22
